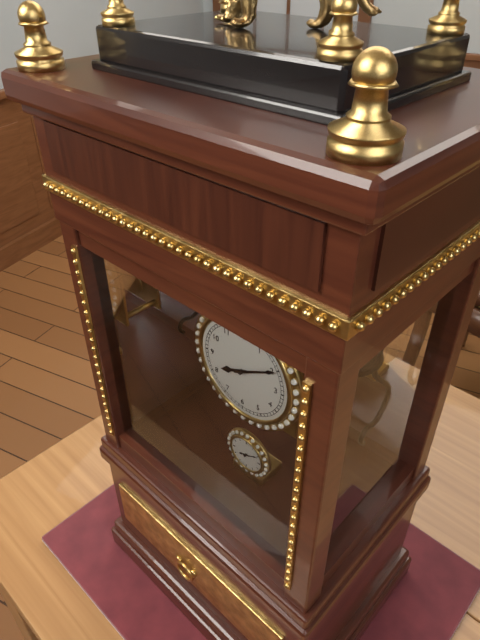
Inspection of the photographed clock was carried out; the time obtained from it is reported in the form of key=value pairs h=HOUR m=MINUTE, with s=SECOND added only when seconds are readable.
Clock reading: h=8 m=10
